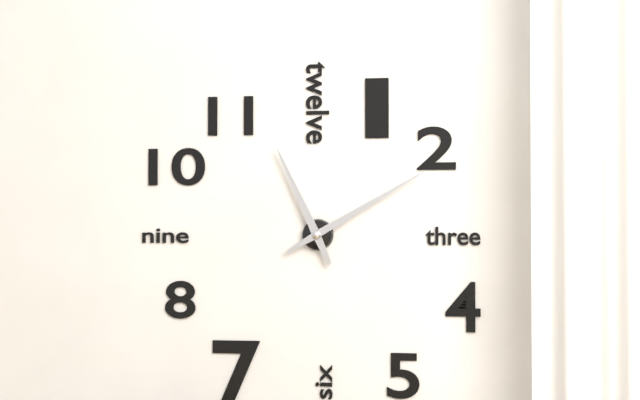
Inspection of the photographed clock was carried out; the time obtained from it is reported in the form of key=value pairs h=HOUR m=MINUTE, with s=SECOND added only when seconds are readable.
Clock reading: h=11 m=10
